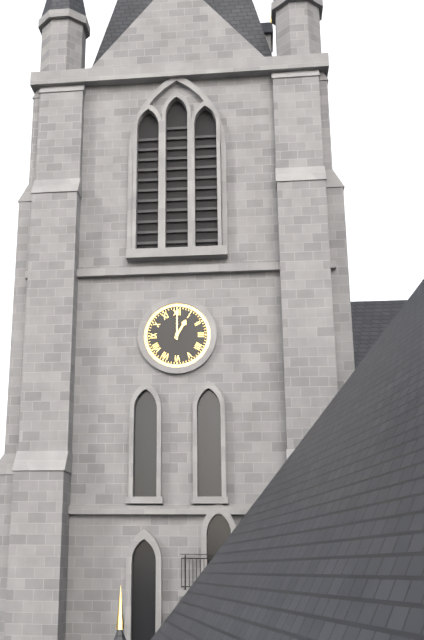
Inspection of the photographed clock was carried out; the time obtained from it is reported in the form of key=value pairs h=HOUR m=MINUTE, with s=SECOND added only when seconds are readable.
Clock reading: h=1 m=0
